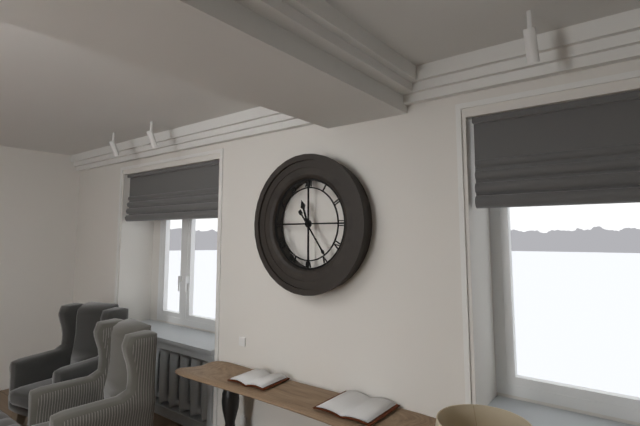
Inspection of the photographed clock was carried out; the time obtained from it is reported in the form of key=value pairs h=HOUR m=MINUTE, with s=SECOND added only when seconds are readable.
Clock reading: h=11 m=24
